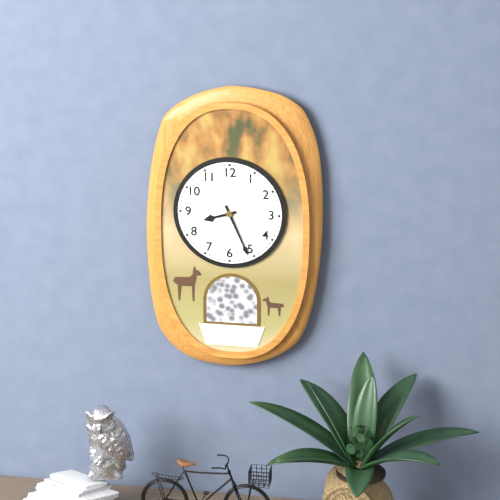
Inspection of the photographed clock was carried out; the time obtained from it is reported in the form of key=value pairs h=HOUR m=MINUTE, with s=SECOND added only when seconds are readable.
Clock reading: h=8 m=26
